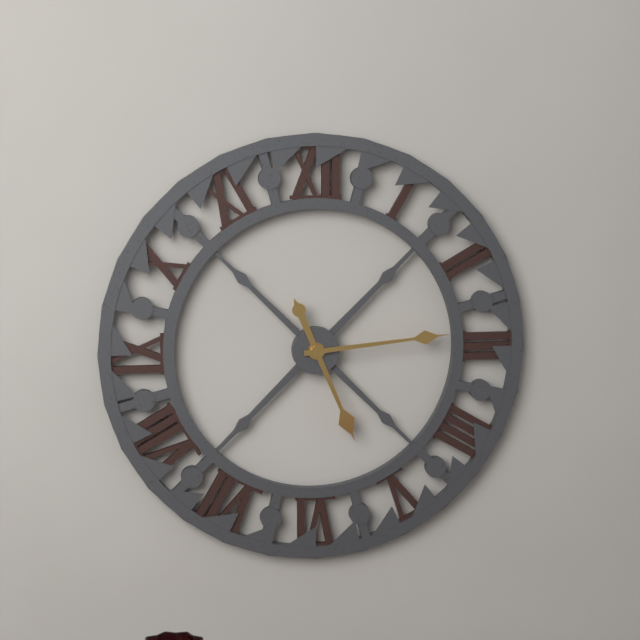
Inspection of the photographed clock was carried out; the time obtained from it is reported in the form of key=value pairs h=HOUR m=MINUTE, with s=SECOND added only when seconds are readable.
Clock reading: h=5 m=14
